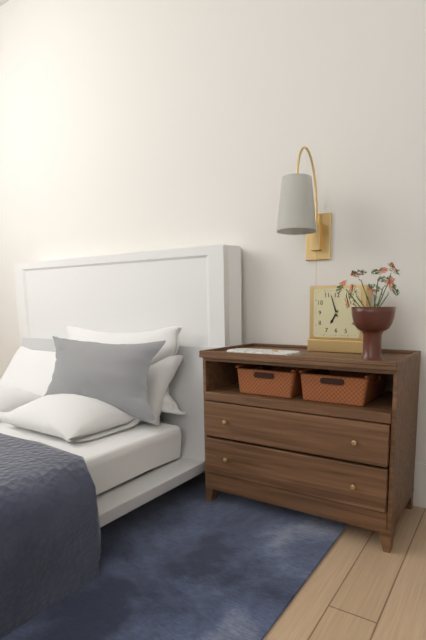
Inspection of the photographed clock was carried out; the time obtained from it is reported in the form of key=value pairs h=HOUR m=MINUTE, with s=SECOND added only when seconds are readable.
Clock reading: h=6 m=57
